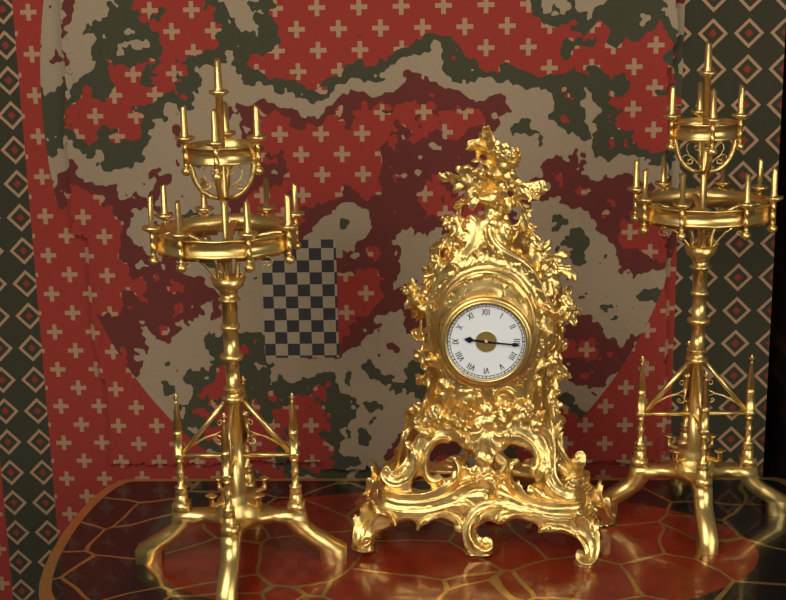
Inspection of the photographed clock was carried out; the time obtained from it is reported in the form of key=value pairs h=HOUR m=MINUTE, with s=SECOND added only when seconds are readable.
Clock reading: h=9 m=16
